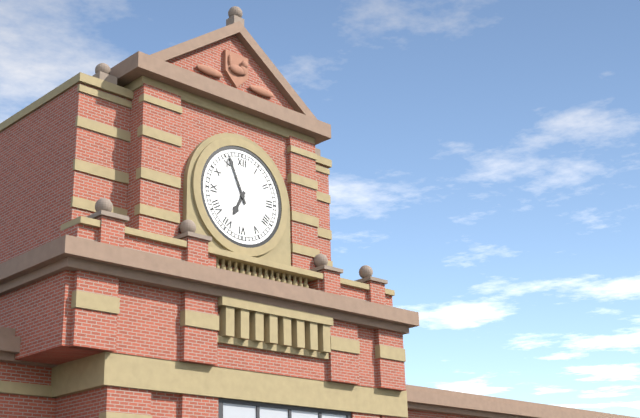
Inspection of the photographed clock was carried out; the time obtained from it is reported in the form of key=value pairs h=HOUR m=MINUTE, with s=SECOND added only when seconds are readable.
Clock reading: h=6 m=56
